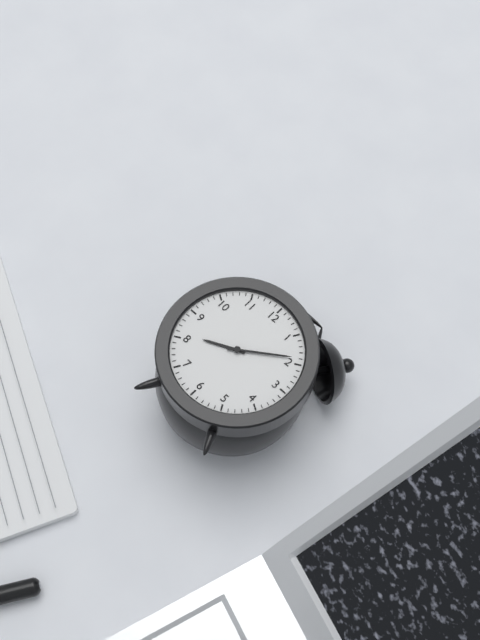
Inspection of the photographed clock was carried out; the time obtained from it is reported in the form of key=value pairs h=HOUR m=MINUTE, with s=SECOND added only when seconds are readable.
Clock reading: h=8 m=9
